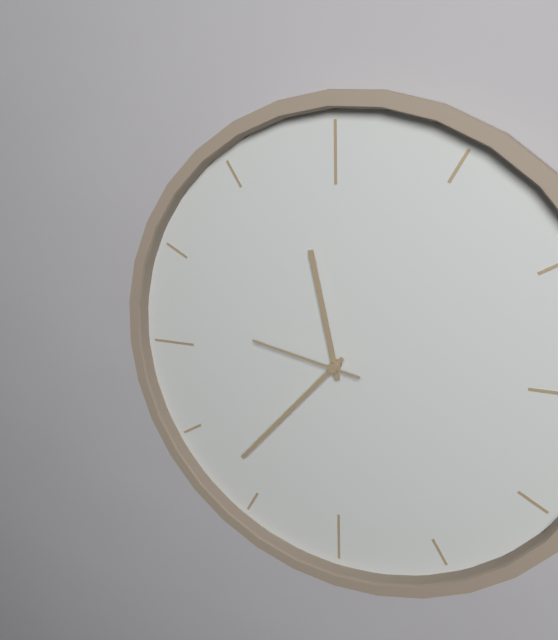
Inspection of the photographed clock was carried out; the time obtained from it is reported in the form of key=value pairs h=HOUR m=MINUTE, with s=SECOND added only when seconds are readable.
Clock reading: h=11 m=37 s=47
